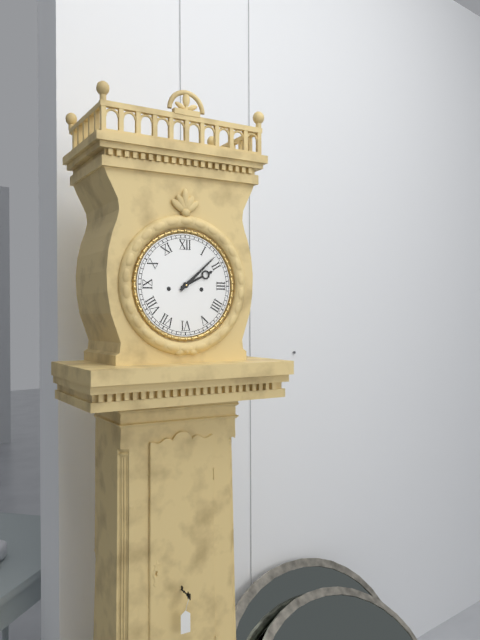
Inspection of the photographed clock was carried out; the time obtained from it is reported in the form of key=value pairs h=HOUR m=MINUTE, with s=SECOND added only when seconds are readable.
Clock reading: h=2 m=8
